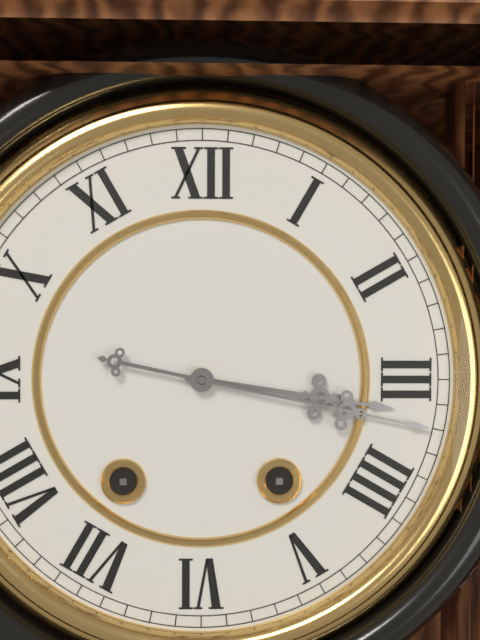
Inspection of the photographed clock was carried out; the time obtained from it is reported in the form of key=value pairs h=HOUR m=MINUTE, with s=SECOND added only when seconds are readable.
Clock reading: h=3 m=17
